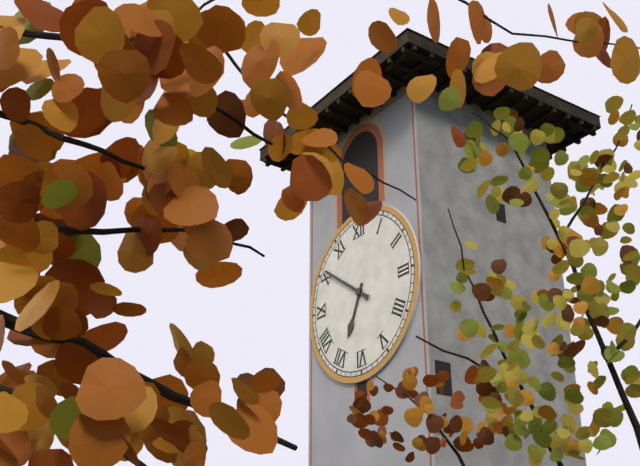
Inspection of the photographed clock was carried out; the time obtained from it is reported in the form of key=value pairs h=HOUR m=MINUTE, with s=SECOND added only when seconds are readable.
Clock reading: h=6 m=51
